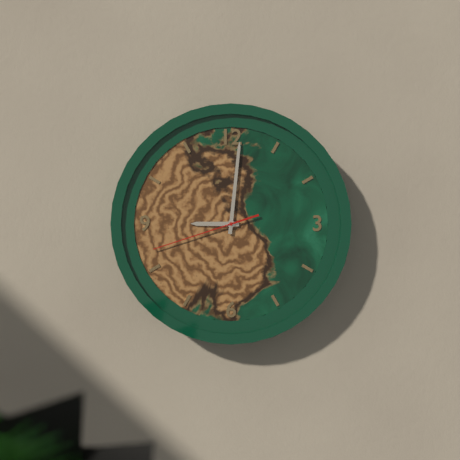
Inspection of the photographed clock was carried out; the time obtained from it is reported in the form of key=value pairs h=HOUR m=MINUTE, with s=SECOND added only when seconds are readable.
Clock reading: h=9 m=1 s=42
